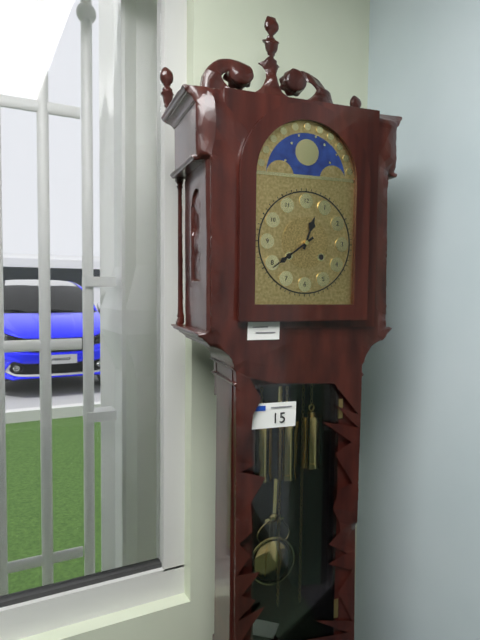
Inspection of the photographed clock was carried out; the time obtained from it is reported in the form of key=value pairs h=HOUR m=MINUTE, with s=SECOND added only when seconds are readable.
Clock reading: h=12 m=39
